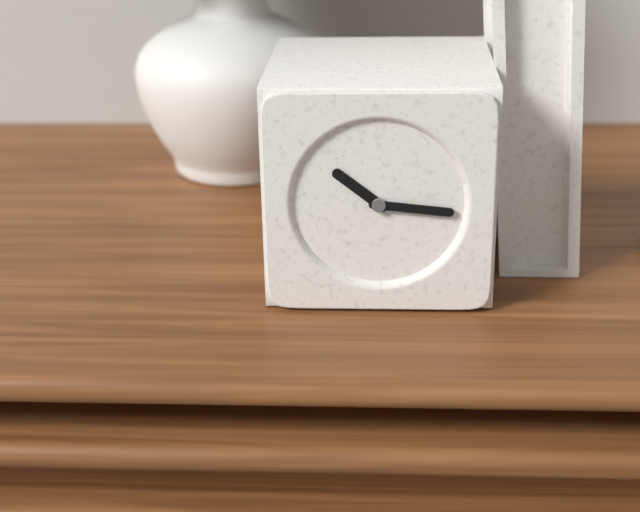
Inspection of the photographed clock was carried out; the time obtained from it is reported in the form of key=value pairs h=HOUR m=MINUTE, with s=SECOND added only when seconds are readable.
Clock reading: h=10 m=16
